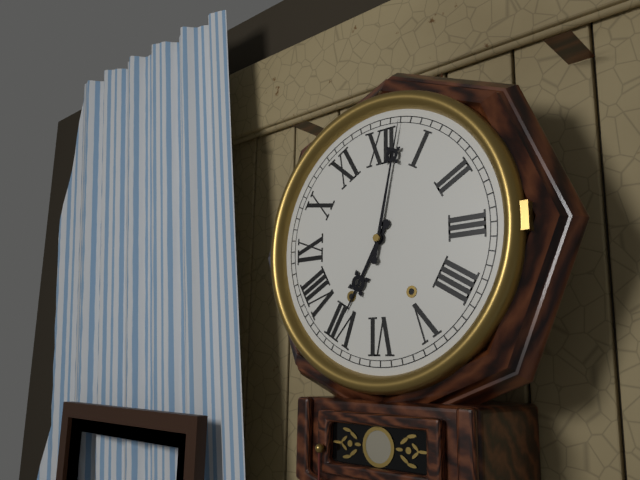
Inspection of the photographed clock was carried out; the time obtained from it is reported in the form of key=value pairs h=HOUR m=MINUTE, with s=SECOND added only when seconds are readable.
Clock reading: h=7 m=2
